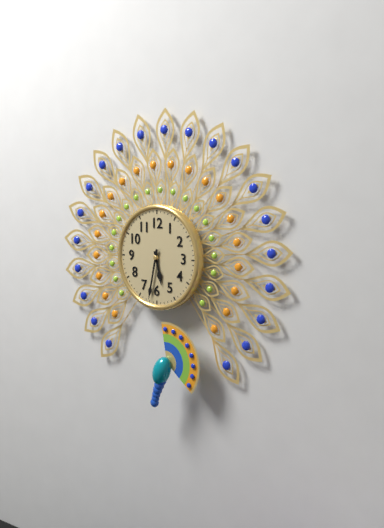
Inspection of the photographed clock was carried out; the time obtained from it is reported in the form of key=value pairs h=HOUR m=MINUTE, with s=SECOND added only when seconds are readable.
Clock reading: h=5 m=32
